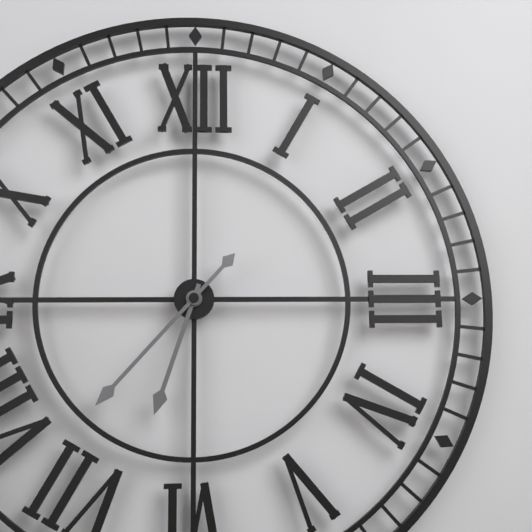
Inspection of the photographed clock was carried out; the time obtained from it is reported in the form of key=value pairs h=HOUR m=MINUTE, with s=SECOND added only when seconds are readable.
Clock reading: h=6 m=37
